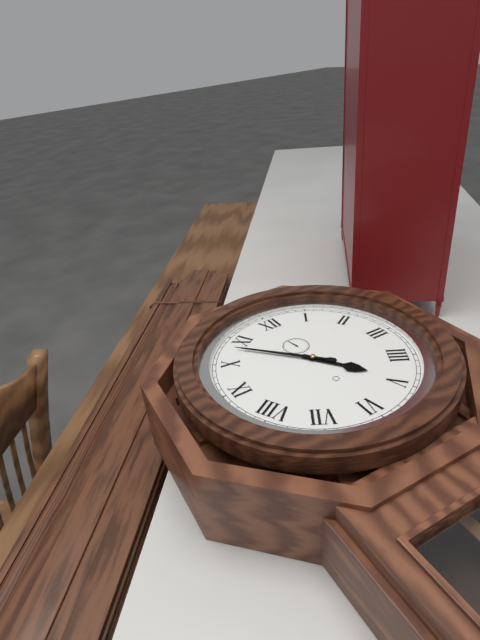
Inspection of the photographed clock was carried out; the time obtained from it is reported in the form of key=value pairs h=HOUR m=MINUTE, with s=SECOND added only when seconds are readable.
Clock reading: h=4 m=53
